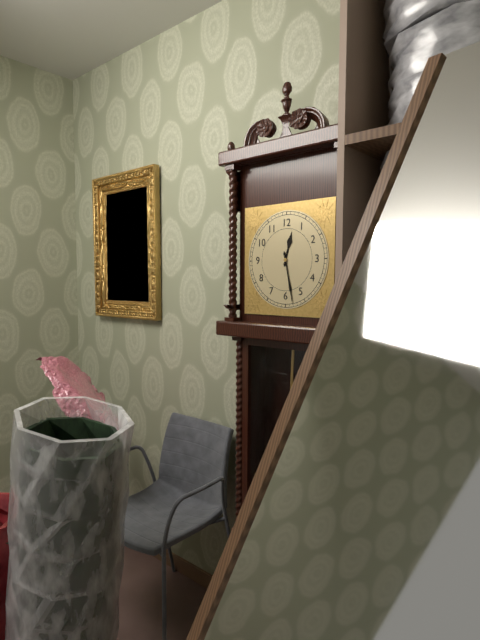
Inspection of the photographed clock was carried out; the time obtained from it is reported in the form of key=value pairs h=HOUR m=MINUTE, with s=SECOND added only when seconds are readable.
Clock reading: h=12 m=28
